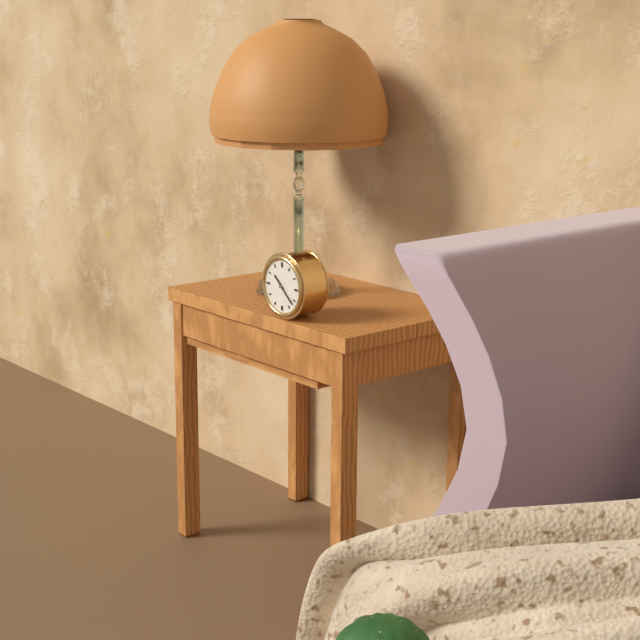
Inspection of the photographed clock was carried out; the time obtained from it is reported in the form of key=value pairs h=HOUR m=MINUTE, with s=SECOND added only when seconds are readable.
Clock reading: h=10 m=22
